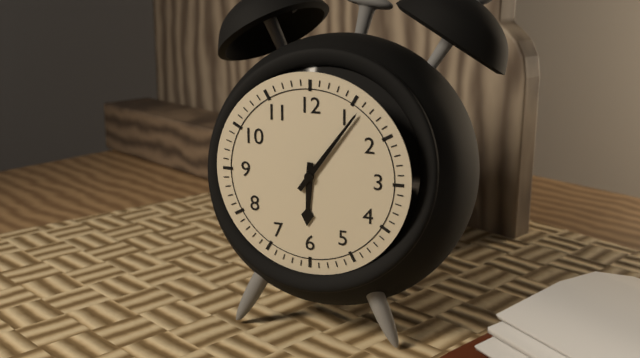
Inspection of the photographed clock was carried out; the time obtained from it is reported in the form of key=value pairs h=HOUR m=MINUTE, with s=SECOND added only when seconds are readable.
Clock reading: h=6 m=6
